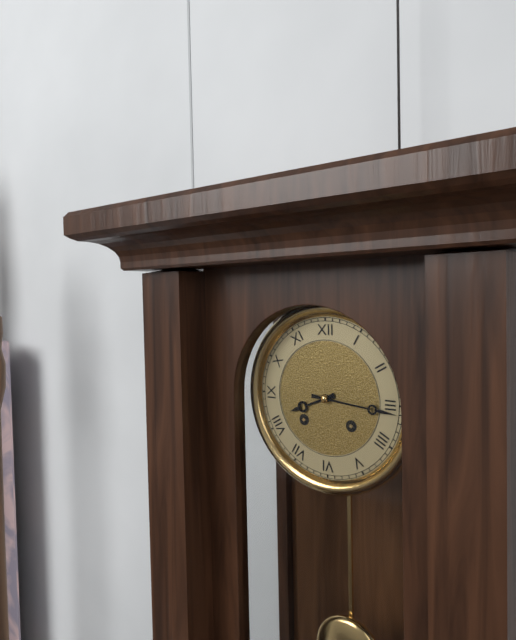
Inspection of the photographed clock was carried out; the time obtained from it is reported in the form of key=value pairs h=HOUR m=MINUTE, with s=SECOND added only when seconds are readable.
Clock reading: h=8 m=16
